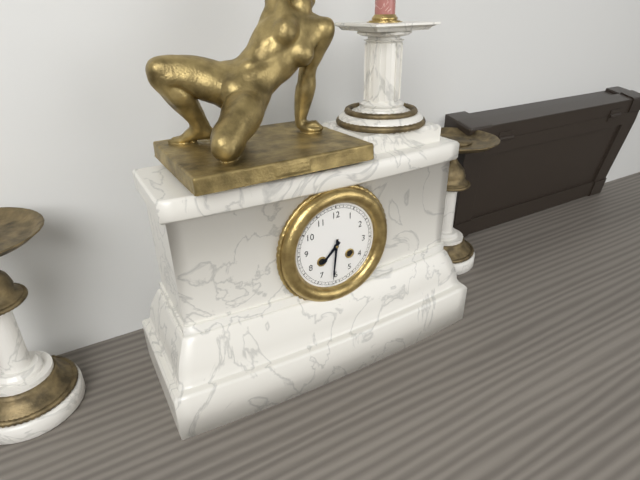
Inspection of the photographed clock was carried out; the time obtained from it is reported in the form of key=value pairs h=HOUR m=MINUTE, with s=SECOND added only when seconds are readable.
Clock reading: h=7 m=31
